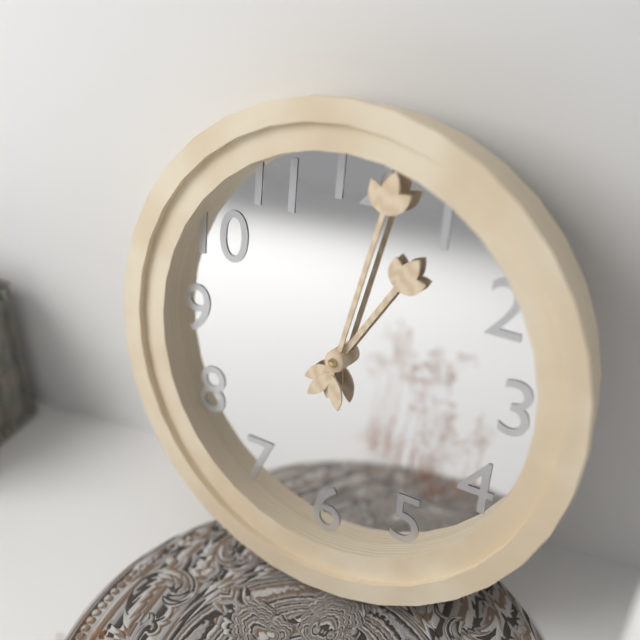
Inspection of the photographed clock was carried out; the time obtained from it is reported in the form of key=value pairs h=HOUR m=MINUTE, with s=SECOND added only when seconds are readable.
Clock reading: h=1 m=2
